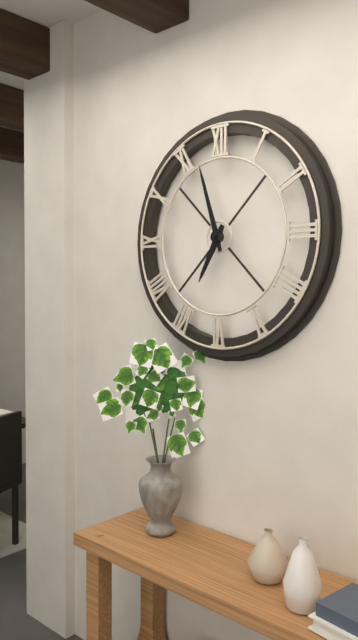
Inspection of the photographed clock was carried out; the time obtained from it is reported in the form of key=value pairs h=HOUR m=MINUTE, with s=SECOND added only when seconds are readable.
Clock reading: h=6 m=57
